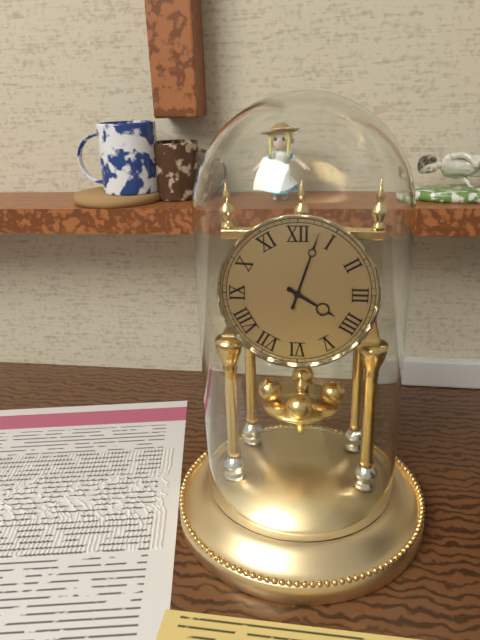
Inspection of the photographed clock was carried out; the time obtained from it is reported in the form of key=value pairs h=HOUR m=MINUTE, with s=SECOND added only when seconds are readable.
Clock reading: h=4 m=3
